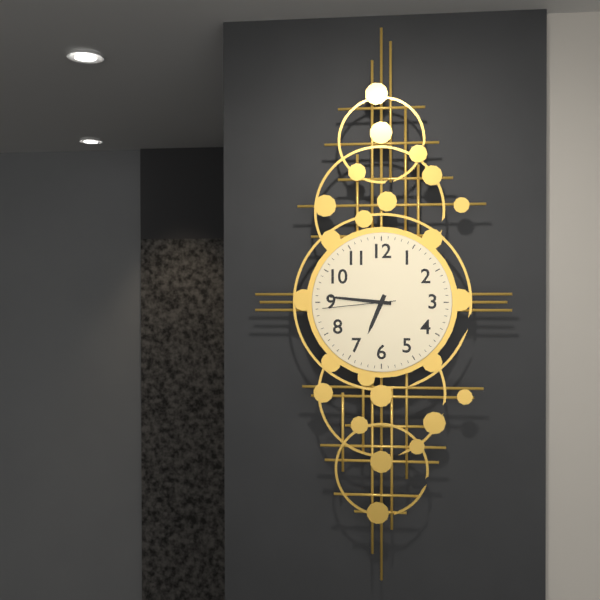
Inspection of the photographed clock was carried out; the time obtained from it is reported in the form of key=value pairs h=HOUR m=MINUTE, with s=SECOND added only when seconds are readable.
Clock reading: h=6 m=46 s=44
